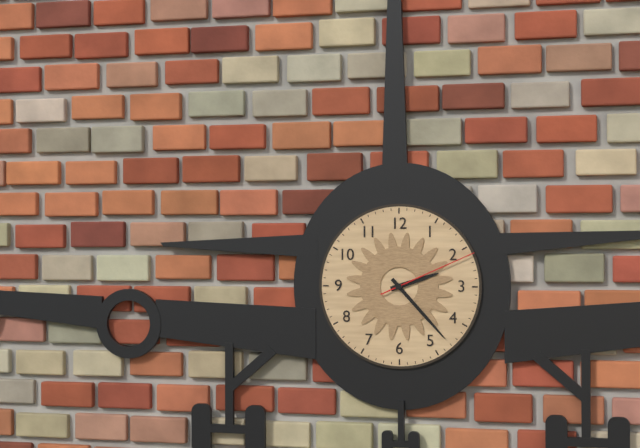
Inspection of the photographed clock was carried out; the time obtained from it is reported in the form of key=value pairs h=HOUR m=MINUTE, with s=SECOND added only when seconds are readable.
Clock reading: h=2 m=23 s=11
